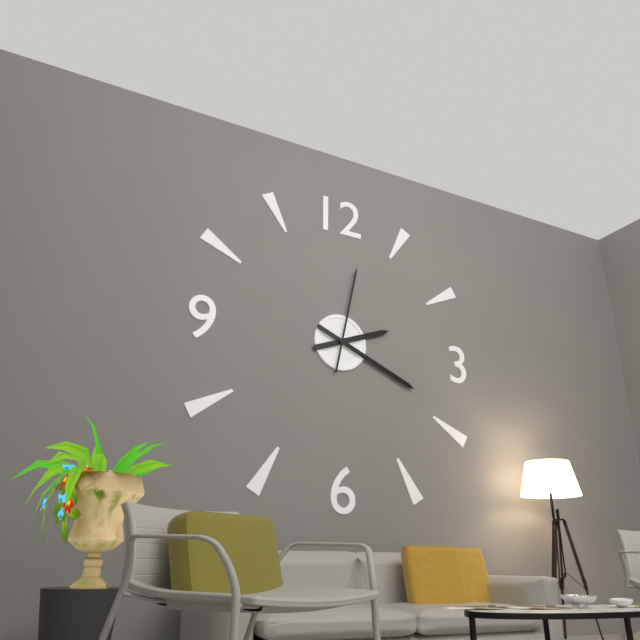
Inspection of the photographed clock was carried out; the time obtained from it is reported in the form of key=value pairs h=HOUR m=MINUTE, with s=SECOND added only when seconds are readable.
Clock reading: h=2 m=19 s=2
